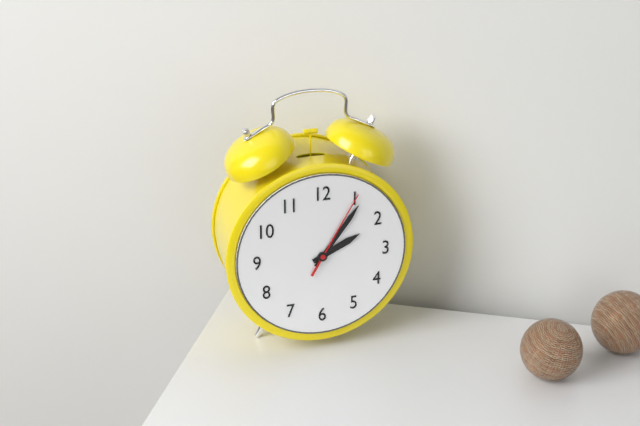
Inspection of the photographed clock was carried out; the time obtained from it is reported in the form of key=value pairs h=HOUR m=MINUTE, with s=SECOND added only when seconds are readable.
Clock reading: h=2 m=6 s=5
